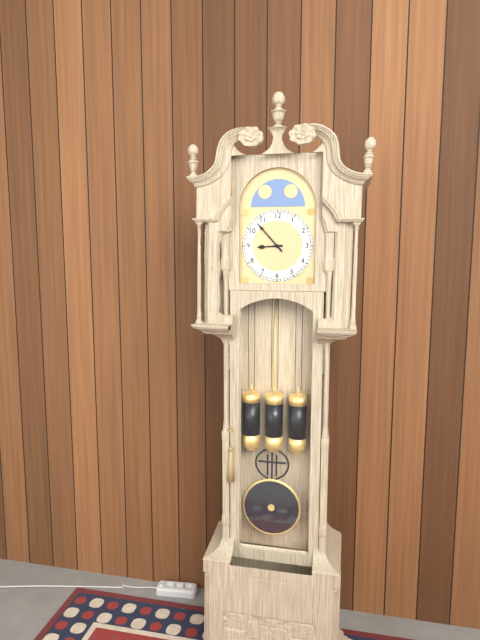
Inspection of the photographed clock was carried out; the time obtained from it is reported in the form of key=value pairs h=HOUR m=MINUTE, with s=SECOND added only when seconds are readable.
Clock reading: h=8 m=53
